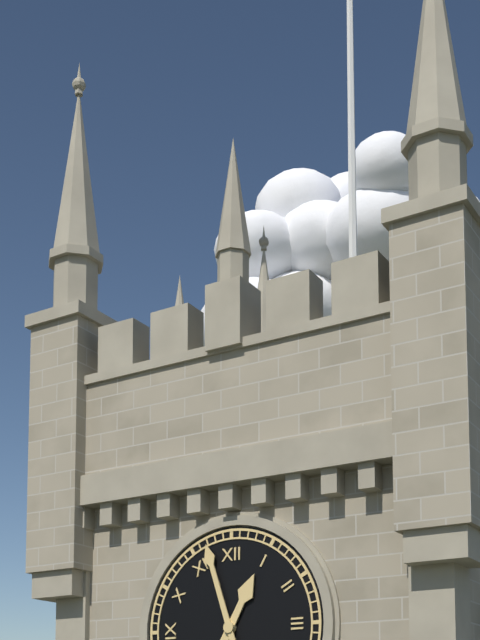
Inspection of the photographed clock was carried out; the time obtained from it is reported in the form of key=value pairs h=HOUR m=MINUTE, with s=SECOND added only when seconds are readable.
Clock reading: h=12 m=57
